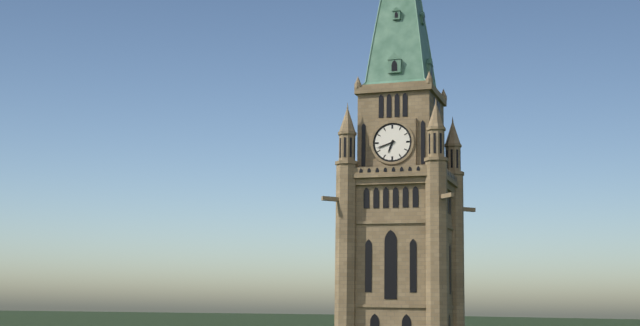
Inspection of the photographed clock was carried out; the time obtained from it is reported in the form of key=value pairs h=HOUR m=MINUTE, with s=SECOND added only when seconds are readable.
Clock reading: h=6 m=42
